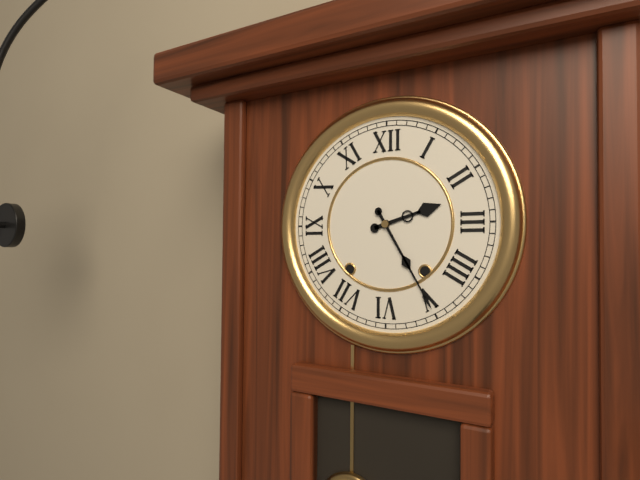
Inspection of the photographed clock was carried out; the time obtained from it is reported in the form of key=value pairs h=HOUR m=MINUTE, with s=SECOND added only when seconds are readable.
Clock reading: h=2 m=25
